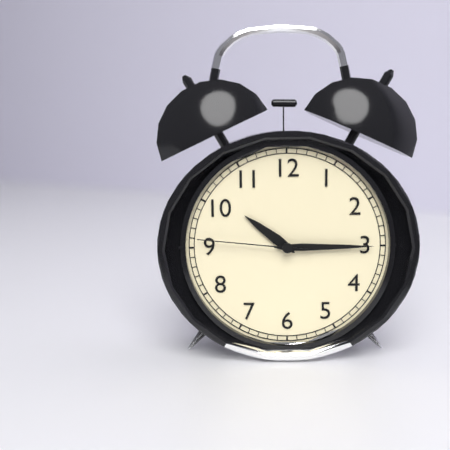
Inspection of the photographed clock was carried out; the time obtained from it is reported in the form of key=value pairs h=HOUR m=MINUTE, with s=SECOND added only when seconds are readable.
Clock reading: h=10 m=15 s=46
